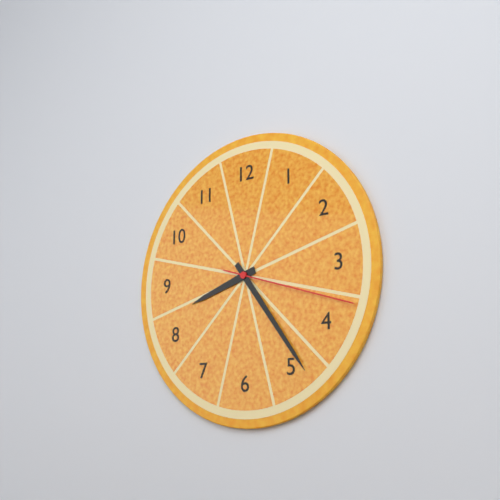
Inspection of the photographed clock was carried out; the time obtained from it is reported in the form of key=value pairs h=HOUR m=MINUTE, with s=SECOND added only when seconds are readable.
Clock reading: h=8 m=24 s=18
